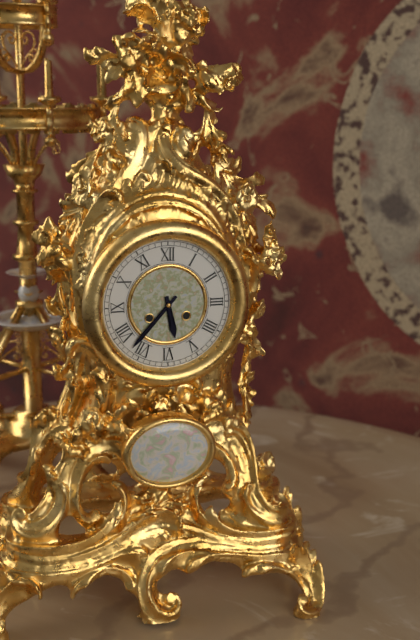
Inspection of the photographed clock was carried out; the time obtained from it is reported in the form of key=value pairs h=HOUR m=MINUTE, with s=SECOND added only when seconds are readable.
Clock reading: h=5 m=37
